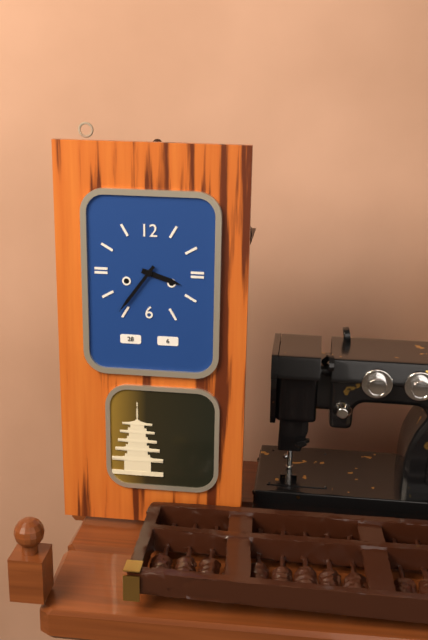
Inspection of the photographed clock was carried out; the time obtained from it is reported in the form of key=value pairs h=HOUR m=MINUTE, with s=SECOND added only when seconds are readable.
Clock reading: h=3 m=36
